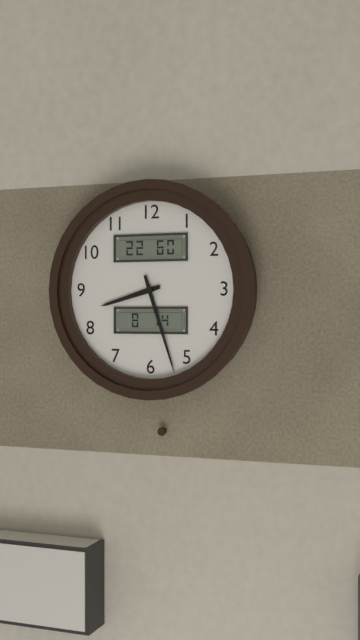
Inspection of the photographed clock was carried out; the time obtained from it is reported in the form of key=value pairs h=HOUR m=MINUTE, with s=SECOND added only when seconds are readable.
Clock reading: h=8 m=27
